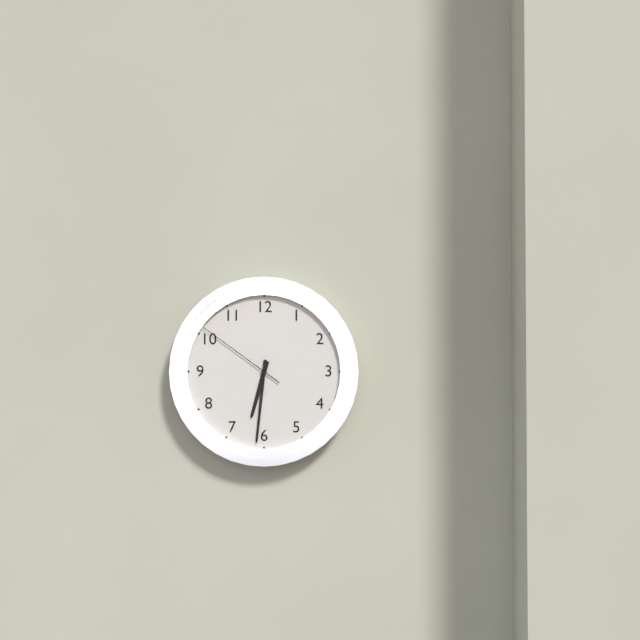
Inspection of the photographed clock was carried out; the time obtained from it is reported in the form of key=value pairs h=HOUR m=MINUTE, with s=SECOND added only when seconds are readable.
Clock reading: h=6 m=31 s=51
